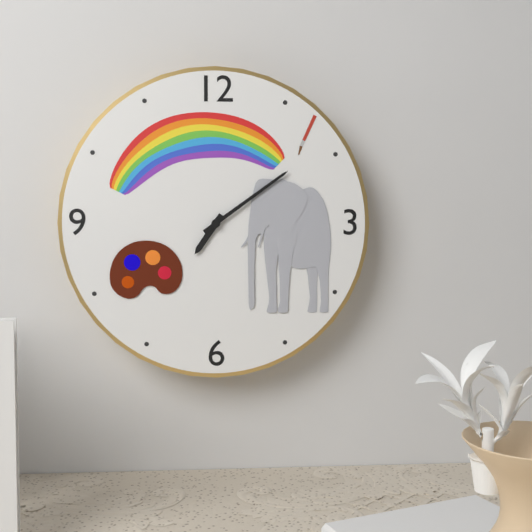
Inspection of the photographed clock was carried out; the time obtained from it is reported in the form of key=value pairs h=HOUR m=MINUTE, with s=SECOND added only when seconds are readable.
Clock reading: h=7 m=9
